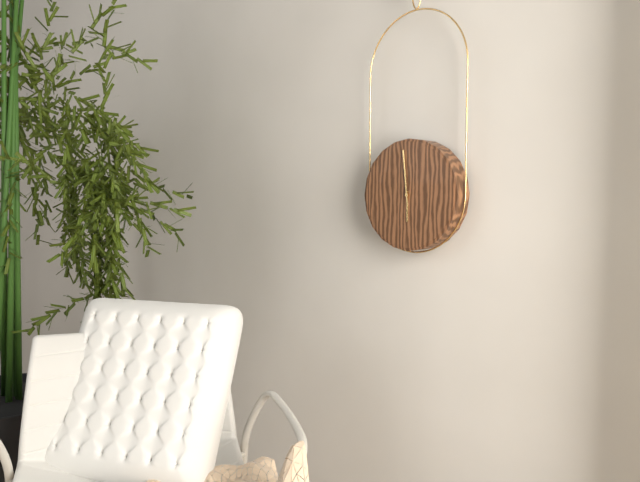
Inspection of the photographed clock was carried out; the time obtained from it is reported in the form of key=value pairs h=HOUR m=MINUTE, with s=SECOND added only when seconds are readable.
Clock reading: h=5 m=59
